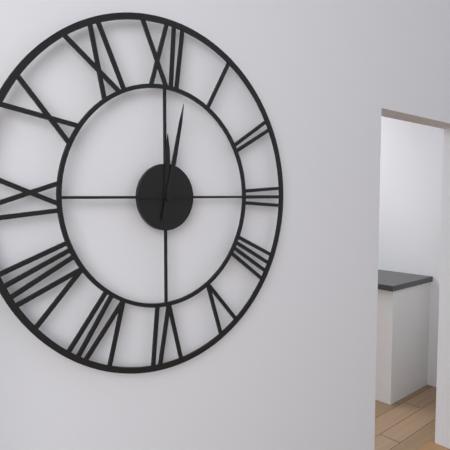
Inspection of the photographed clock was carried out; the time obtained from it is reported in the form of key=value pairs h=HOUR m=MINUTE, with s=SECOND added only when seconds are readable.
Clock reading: h=12 m=2 s=45
